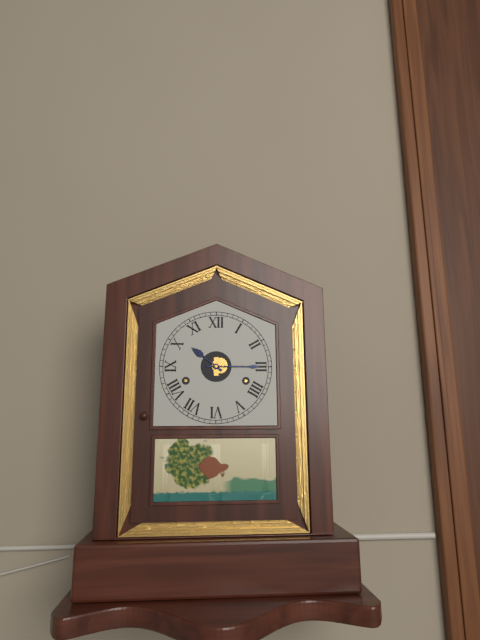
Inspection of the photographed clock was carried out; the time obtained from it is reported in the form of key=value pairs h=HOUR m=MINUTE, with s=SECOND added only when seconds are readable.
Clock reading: h=10 m=15
